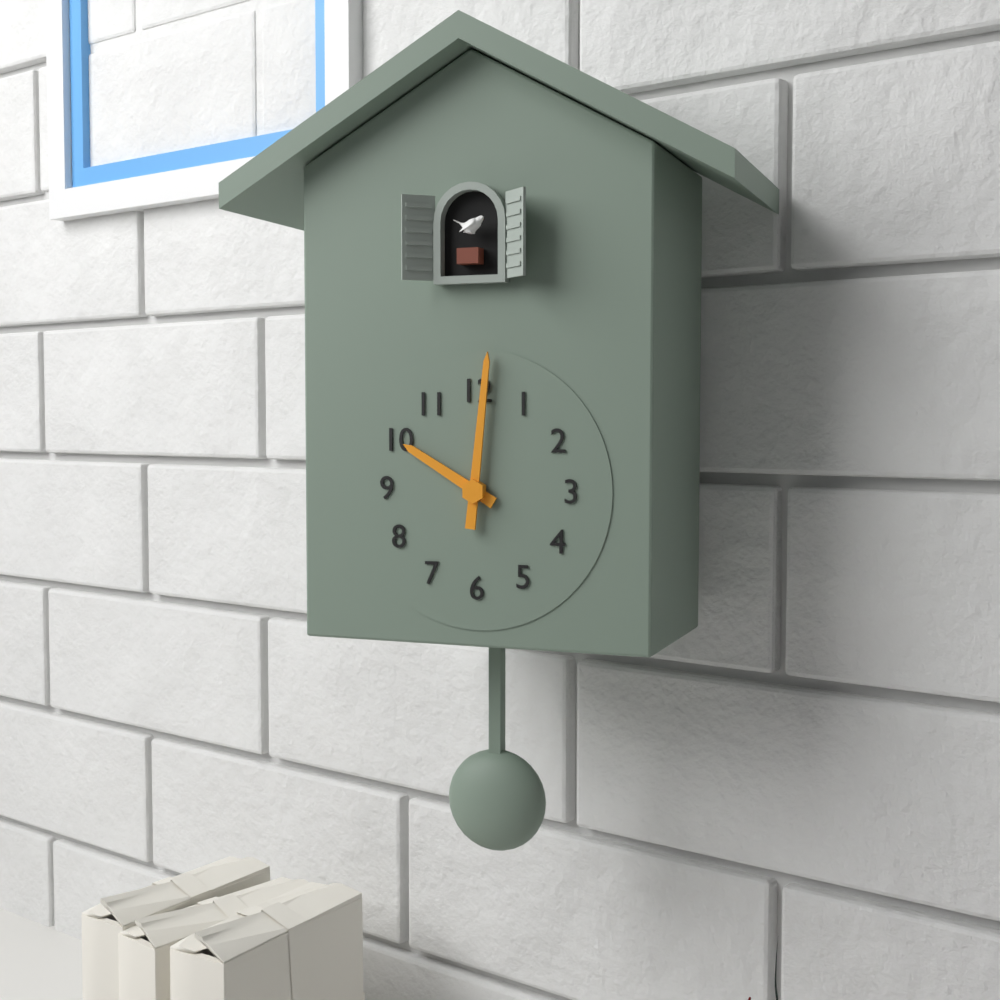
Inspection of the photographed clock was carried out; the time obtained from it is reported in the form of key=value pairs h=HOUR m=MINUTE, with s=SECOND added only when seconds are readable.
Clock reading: h=10 m=1
